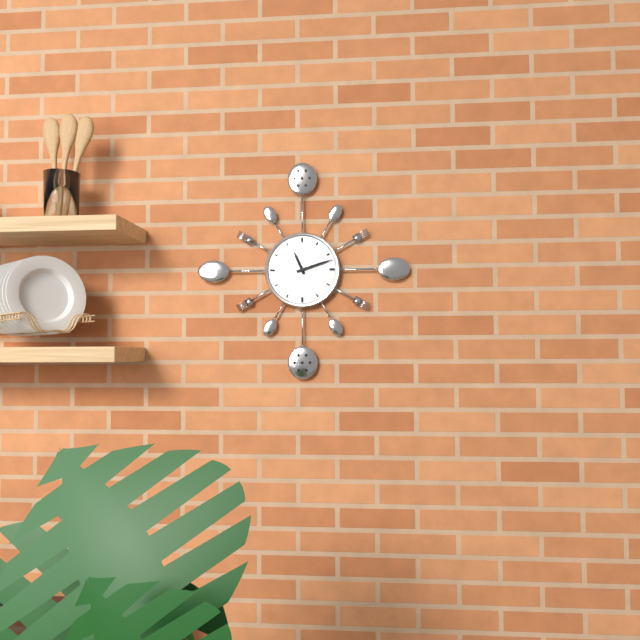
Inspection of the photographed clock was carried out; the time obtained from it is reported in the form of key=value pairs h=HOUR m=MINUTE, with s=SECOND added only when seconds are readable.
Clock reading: h=11 m=12
